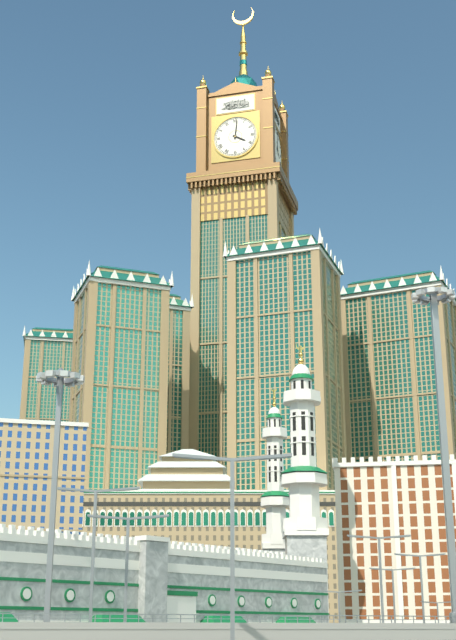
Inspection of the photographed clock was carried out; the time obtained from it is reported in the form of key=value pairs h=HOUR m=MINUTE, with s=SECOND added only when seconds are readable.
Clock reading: h=4 m=1
